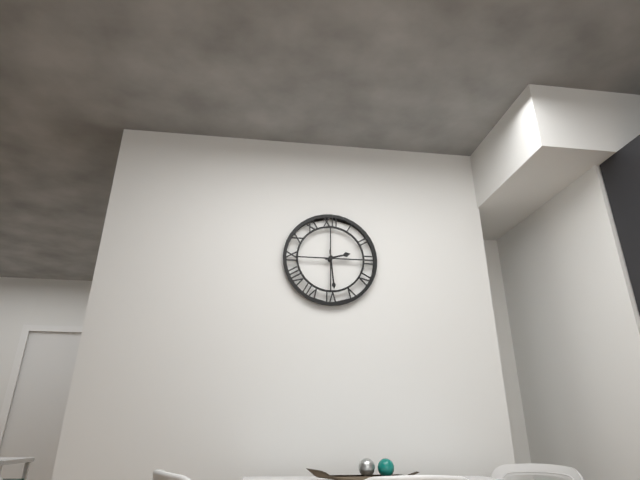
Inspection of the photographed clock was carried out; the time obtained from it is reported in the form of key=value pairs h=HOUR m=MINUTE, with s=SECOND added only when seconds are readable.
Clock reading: h=2 m=29
